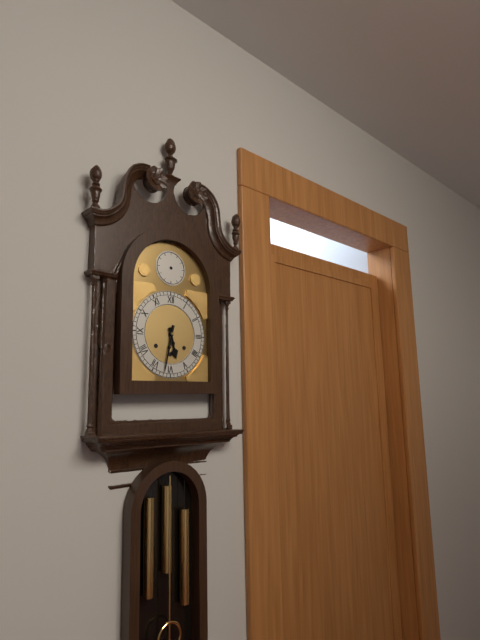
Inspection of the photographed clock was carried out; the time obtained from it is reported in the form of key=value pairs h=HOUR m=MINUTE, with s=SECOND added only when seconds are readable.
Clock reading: h=5 m=32
